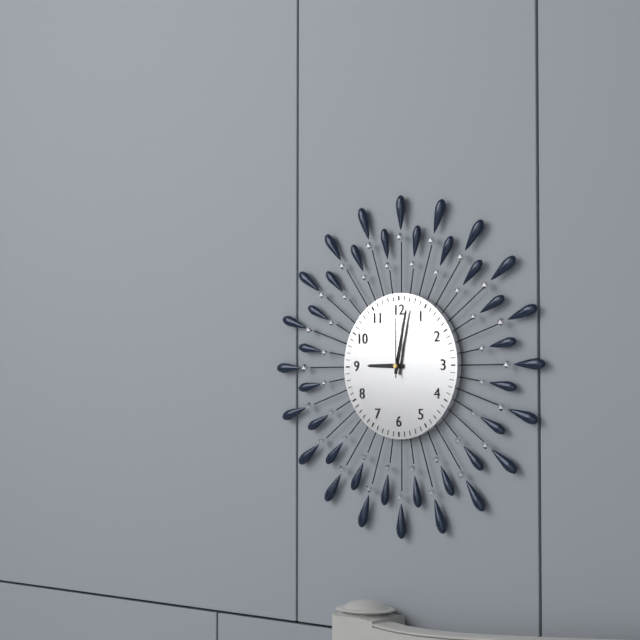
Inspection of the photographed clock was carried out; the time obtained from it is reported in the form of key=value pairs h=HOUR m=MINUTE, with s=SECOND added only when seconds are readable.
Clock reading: h=9 m=2 s=0
